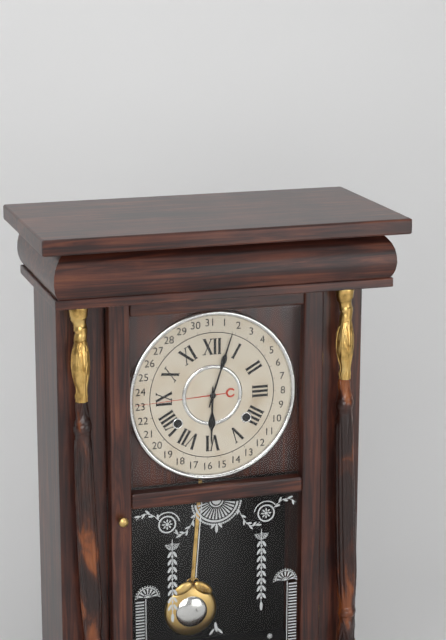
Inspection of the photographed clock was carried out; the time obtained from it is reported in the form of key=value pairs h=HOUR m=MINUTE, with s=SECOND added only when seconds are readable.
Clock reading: h=6 m=3
